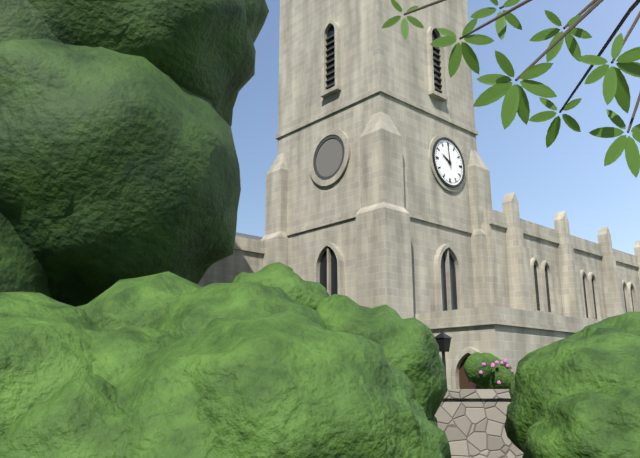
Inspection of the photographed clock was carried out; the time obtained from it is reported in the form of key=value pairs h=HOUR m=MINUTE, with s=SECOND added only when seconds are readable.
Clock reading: h=9 m=59
